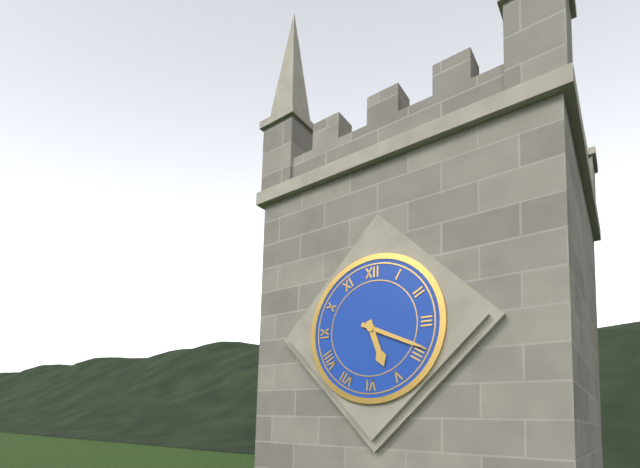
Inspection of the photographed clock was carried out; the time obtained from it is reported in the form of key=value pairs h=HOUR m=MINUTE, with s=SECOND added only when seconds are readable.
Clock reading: h=5 m=19
